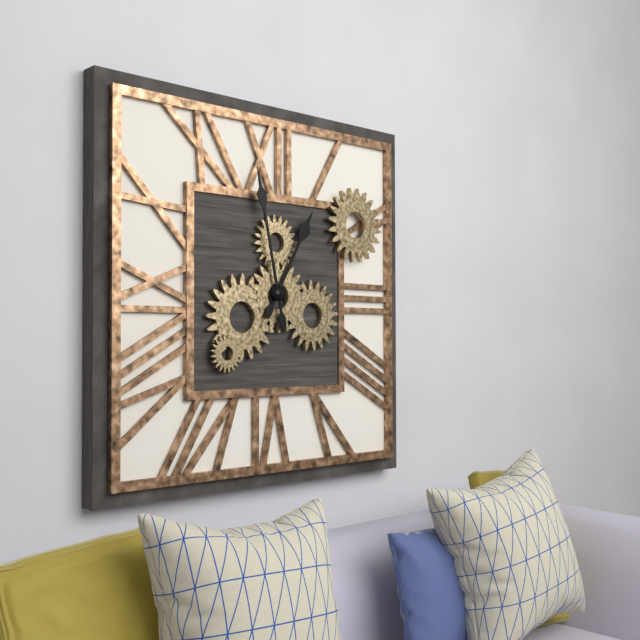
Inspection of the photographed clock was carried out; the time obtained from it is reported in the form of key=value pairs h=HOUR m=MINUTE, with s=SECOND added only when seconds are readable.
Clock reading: h=12 m=58
